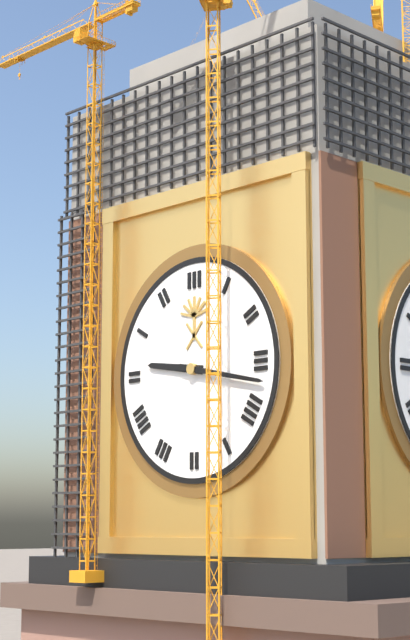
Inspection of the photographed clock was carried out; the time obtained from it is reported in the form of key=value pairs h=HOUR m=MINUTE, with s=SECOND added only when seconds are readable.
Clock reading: h=9 m=17
